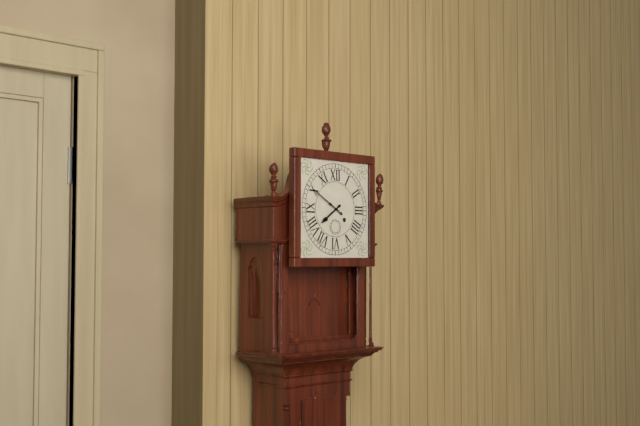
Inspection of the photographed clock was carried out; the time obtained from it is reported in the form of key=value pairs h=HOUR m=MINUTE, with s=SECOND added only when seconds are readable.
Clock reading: h=7 m=50
